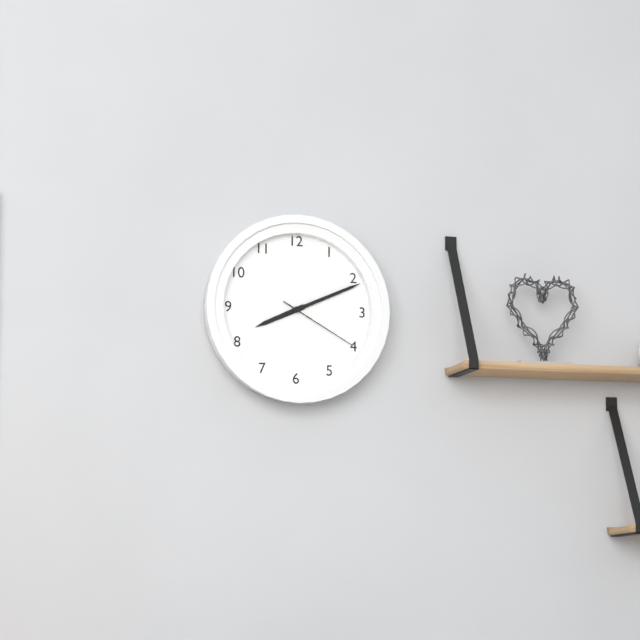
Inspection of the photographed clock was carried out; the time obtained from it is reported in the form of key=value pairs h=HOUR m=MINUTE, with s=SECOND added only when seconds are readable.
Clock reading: h=8 m=11 s=20
